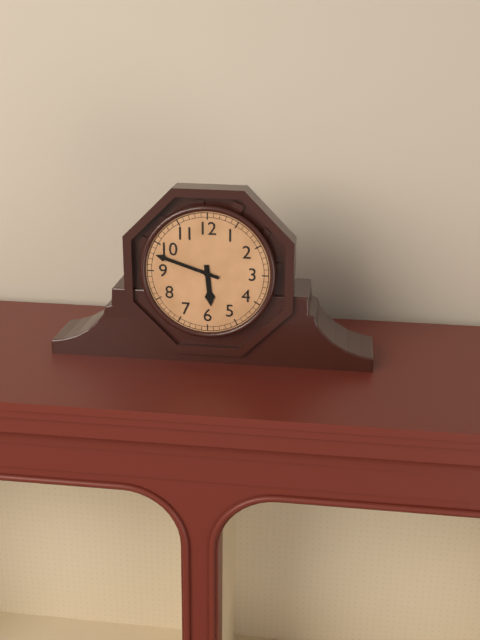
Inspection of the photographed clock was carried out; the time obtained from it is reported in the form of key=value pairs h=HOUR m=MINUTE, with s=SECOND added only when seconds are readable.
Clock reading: h=5 m=48
